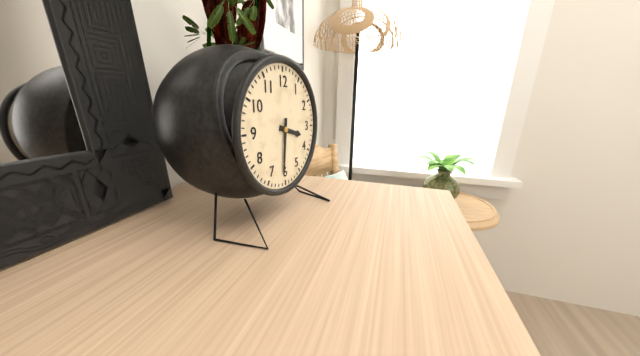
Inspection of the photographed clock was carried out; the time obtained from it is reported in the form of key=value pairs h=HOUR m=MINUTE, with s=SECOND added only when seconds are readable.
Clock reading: h=3 m=31
